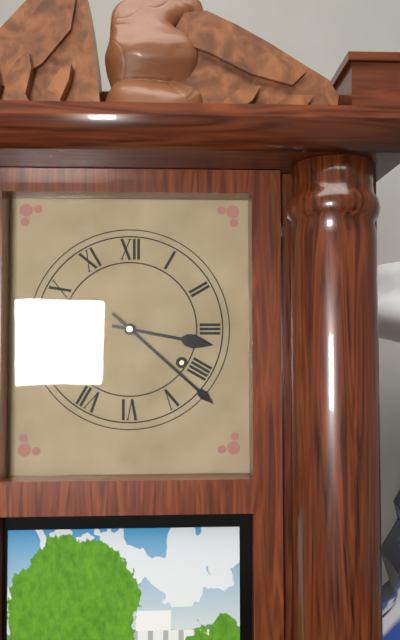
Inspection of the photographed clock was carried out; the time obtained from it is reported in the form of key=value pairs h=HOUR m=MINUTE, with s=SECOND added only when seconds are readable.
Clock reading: h=3 m=22
